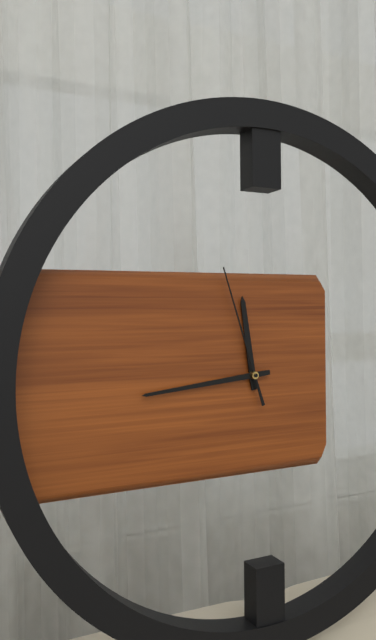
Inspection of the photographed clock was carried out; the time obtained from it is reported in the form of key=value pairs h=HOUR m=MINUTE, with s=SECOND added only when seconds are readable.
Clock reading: h=11 m=44 s=57
